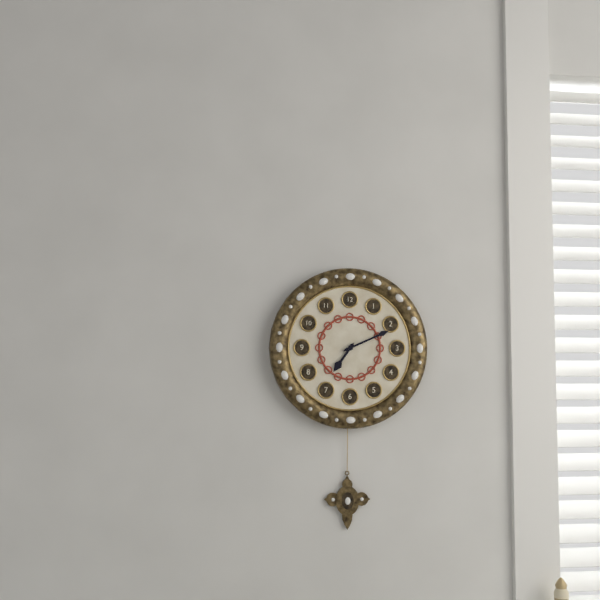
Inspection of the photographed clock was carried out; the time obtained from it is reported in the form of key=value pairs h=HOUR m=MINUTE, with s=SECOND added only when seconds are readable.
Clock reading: h=7 m=11
